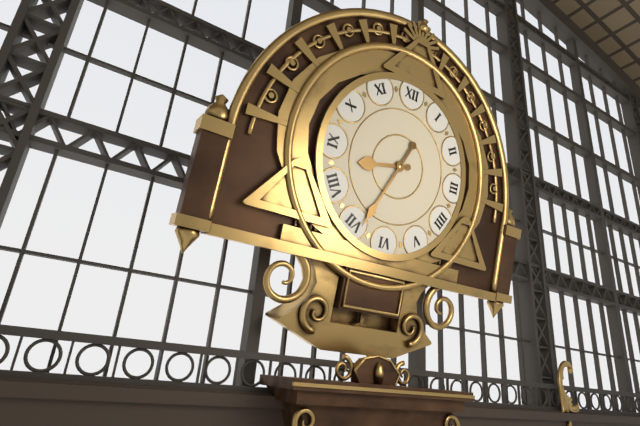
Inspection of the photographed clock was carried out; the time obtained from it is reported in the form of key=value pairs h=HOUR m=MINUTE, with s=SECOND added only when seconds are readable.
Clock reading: h=8 m=34
